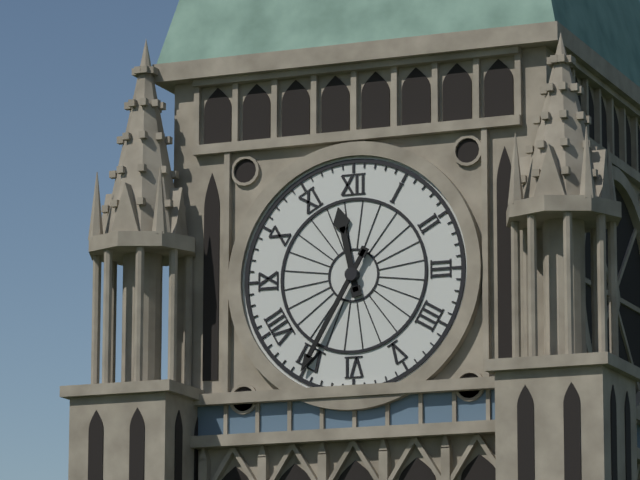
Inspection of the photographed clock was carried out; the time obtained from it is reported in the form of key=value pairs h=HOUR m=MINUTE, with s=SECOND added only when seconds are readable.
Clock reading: h=11 m=35
